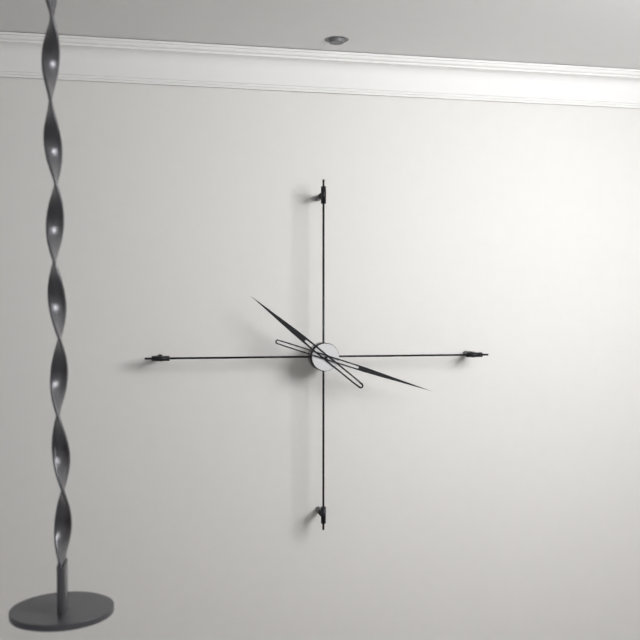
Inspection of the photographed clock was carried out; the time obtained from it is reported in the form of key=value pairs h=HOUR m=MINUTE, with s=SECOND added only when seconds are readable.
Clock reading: h=10 m=18
